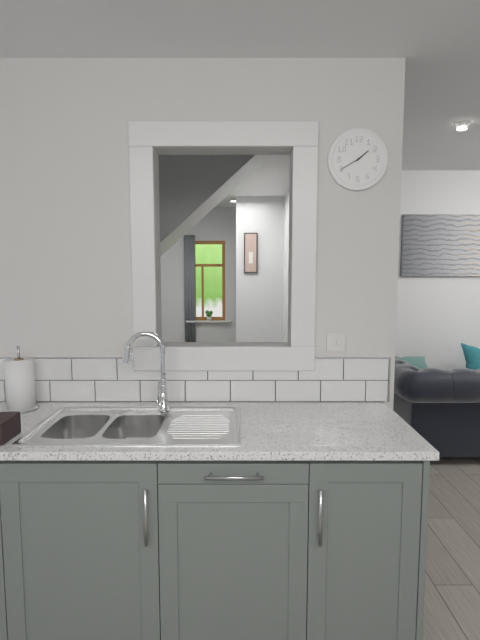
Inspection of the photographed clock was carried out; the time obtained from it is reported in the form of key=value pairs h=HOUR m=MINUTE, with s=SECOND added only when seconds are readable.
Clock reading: h=1 m=40
